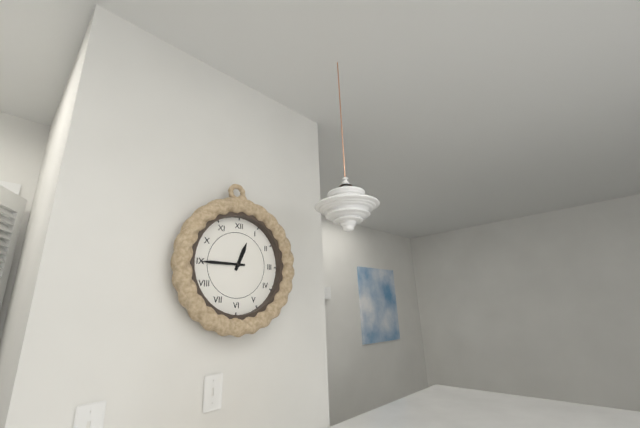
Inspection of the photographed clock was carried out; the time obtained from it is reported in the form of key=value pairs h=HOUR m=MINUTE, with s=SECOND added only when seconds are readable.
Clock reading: h=12 m=45
